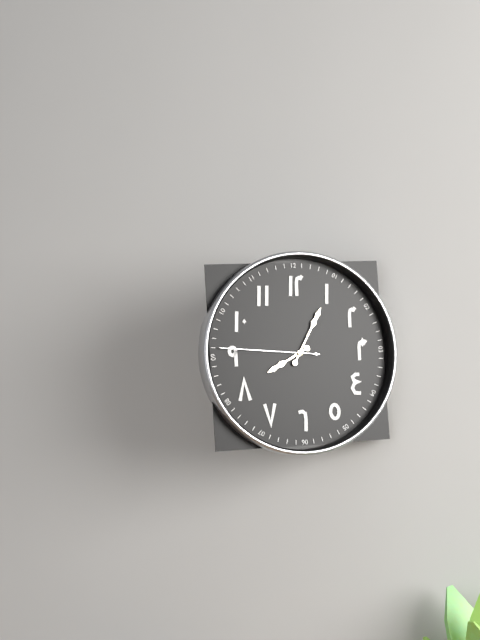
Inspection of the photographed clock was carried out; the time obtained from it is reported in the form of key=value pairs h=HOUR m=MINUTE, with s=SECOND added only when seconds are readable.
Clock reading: h=8 m=5 s=46
